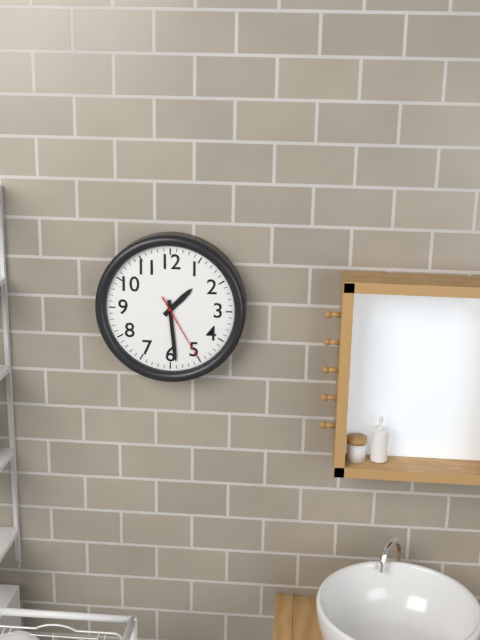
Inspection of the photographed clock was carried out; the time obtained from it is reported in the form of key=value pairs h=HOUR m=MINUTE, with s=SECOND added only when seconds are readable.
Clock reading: h=1 m=29 s=25
